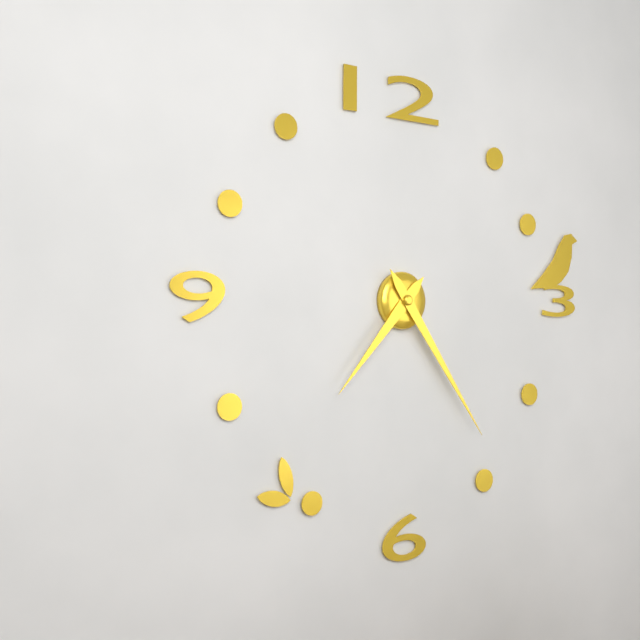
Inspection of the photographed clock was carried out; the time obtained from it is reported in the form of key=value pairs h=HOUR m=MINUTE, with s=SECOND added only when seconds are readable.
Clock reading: h=7 m=24
